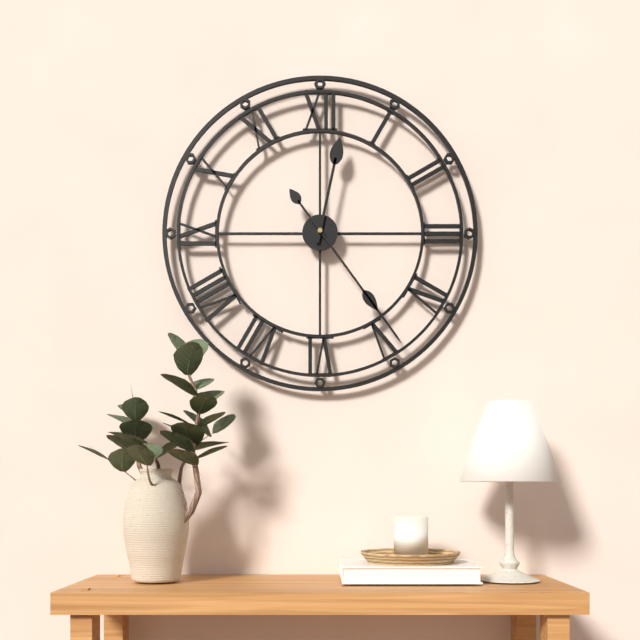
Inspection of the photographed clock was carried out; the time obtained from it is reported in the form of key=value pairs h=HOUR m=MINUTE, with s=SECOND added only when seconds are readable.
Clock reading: h=12 m=24
